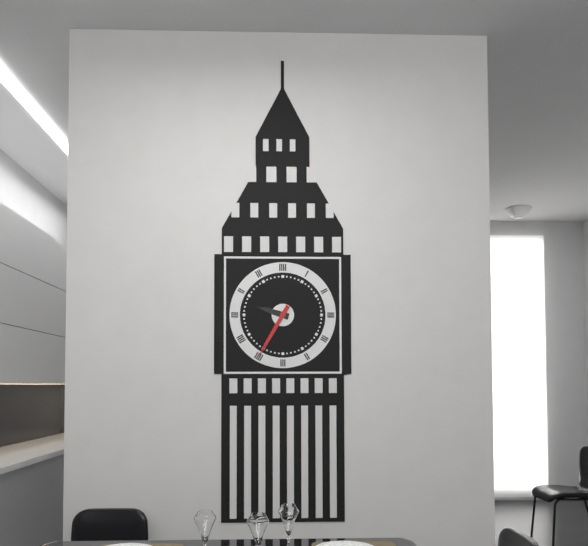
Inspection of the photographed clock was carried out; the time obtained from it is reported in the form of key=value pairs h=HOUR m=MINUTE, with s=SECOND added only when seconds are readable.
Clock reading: h=9 m=35
